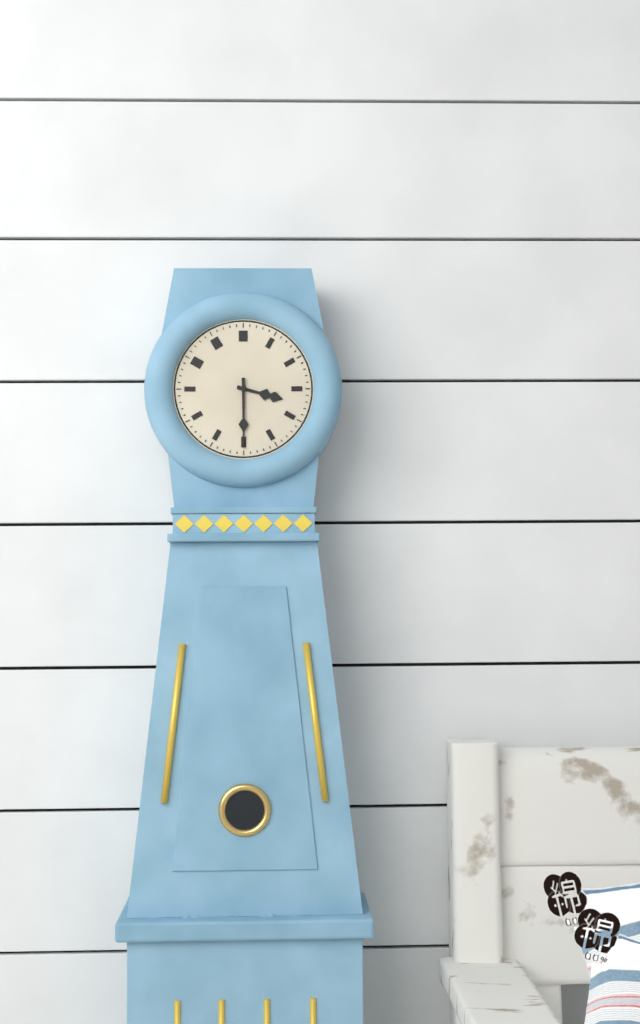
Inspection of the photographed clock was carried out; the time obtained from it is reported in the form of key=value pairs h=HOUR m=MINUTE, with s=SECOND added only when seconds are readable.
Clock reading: h=3 m=30
